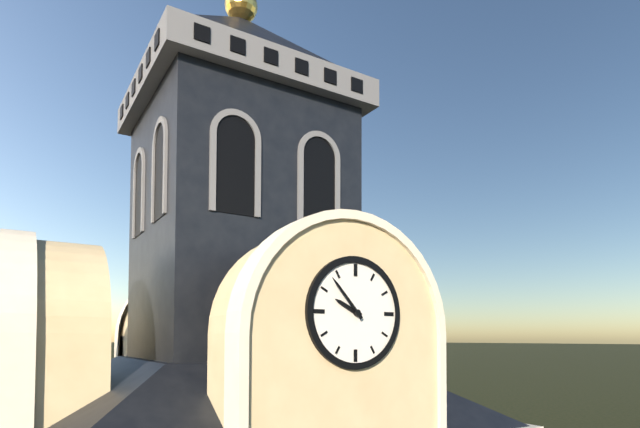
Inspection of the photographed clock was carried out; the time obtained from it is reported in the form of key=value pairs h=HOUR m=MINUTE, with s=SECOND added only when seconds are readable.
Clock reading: h=9 m=53
